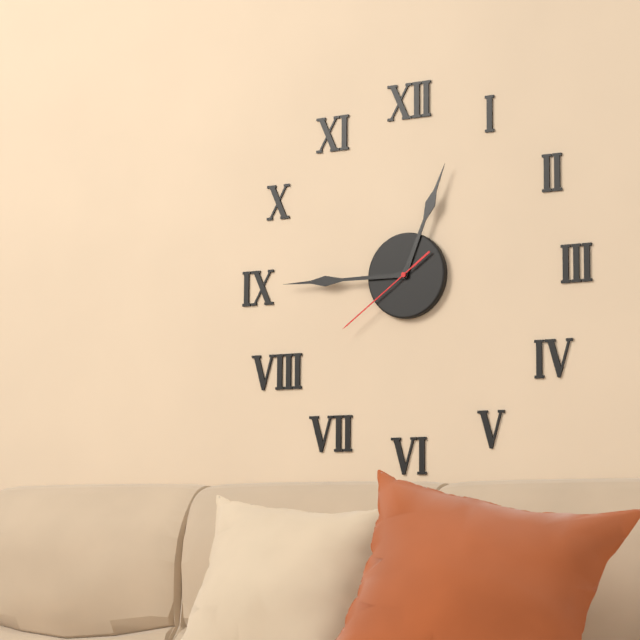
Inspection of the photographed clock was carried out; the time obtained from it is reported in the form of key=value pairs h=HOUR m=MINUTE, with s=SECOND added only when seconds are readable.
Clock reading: h=12 m=45 s=39
